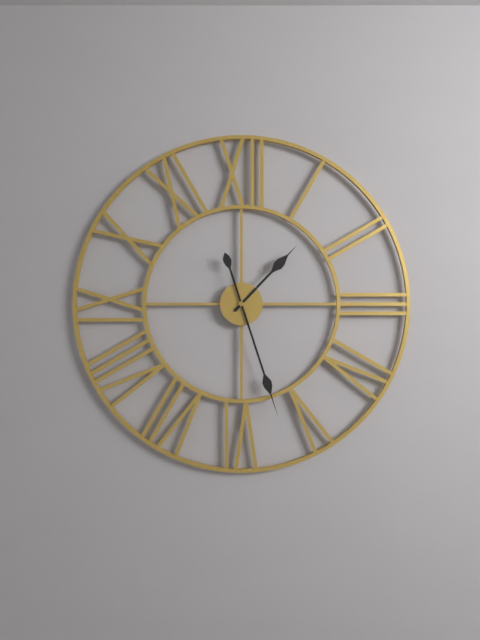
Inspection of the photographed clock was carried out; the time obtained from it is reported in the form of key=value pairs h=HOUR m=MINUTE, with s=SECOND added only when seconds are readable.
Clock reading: h=1 m=27
